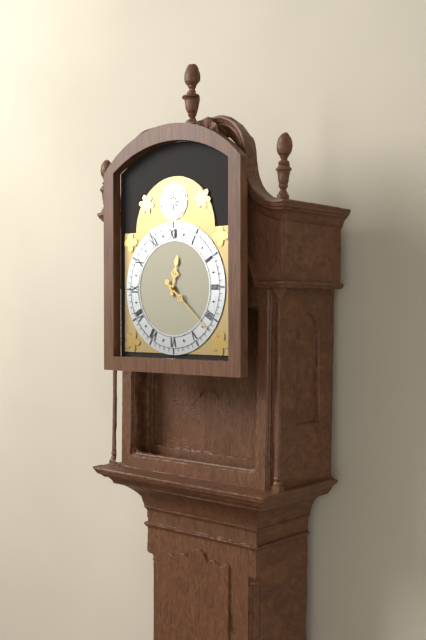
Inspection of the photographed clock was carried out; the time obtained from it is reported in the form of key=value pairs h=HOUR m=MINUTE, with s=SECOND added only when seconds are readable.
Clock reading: h=12 m=22
